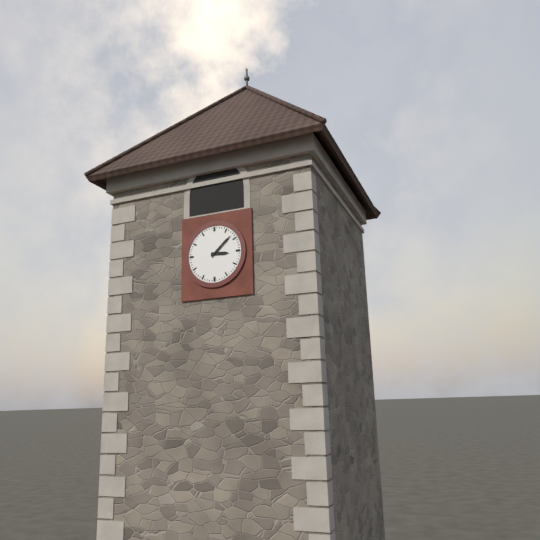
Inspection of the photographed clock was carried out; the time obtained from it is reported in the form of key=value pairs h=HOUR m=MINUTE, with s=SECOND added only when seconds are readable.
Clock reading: h=3 m=8
